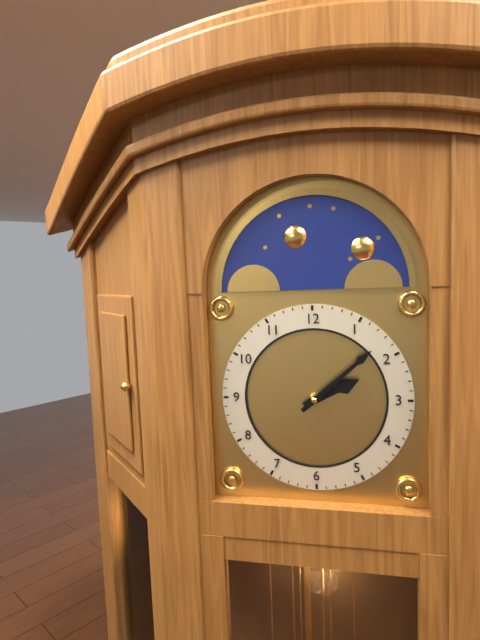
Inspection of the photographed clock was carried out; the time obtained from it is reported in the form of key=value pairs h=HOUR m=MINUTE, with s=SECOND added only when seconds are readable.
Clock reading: h=2 m=8
